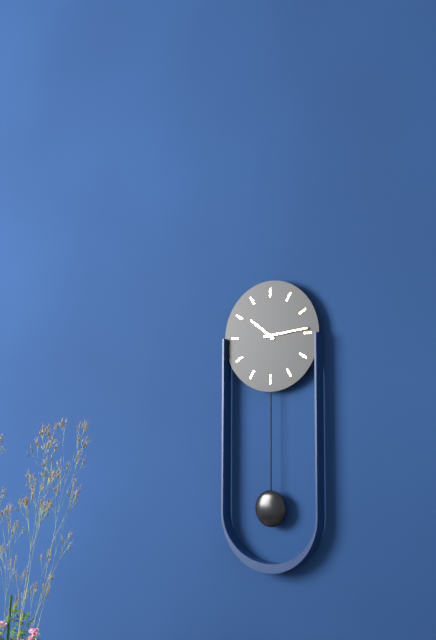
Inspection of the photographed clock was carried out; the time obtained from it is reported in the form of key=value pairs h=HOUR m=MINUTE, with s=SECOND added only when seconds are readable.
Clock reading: h=10 m=14
